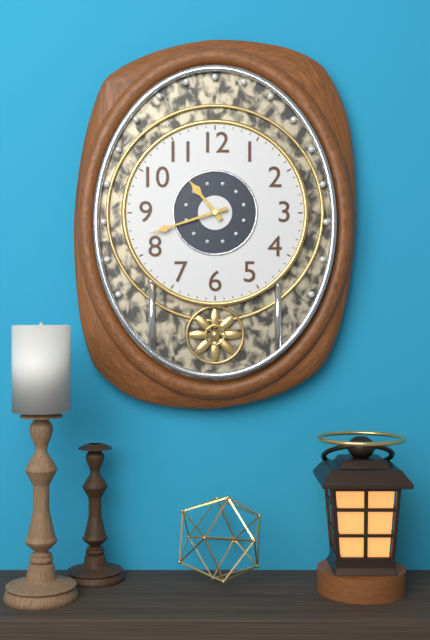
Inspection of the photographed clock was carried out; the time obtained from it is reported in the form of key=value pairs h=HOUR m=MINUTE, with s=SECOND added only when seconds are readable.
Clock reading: h=10 m=42
